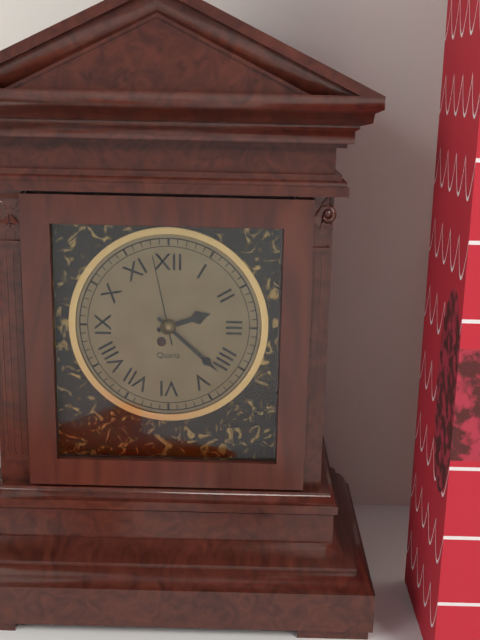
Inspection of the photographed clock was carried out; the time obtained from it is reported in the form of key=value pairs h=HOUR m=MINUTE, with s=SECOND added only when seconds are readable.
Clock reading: h=2 m=22 s=58
